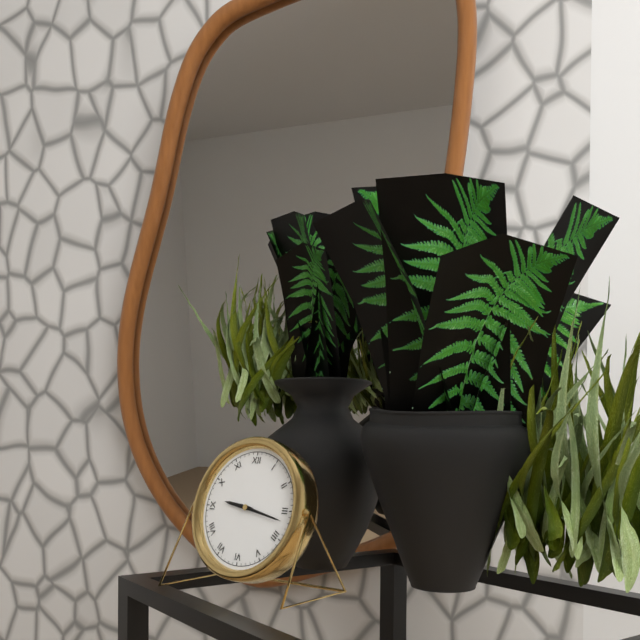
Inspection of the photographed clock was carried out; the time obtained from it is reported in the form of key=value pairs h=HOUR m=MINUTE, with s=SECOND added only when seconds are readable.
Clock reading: h=9 m=17
